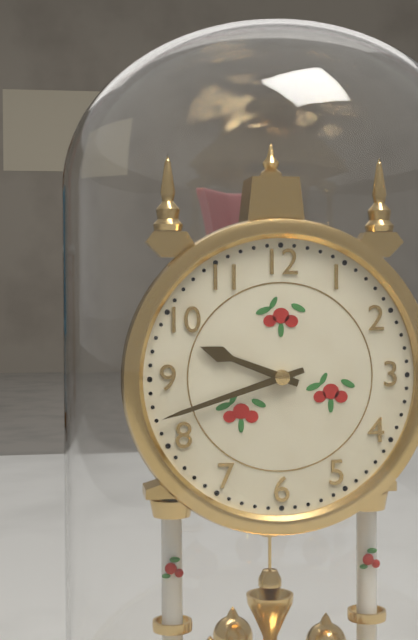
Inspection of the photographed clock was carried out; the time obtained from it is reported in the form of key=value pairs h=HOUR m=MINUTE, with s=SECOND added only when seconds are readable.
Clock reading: h=9 m=42
